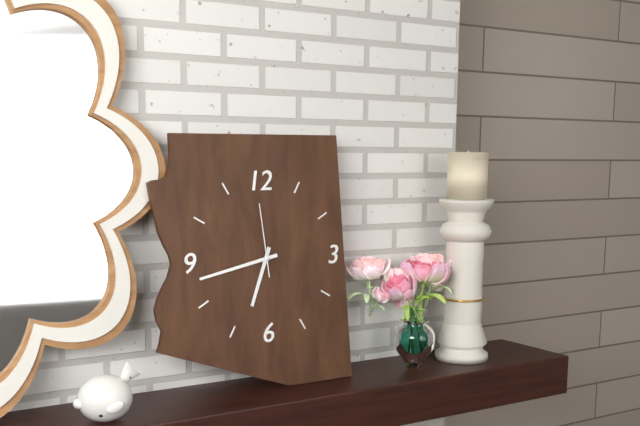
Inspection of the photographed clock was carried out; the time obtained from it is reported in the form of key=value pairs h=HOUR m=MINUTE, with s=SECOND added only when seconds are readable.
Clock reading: h=6 m=43 s=59
